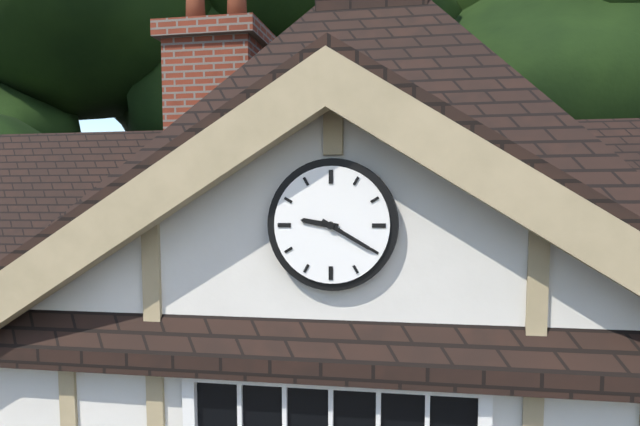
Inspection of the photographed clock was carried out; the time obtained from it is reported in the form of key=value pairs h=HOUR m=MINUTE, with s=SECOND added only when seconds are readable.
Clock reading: h=9 m=20
